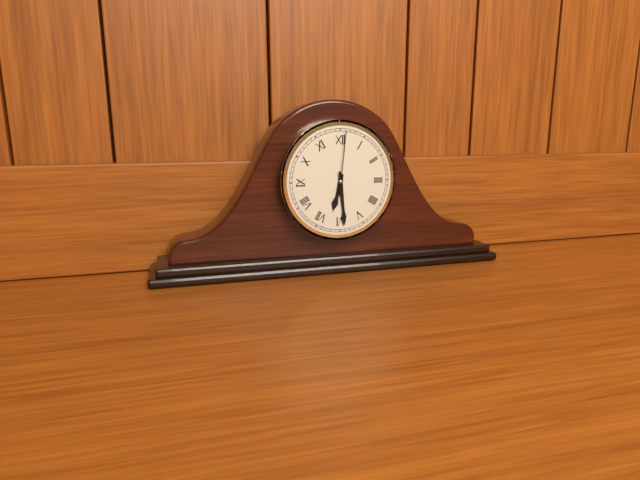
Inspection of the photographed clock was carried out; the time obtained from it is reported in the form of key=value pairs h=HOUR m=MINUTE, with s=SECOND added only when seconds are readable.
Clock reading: h=6 m=29 s=1
